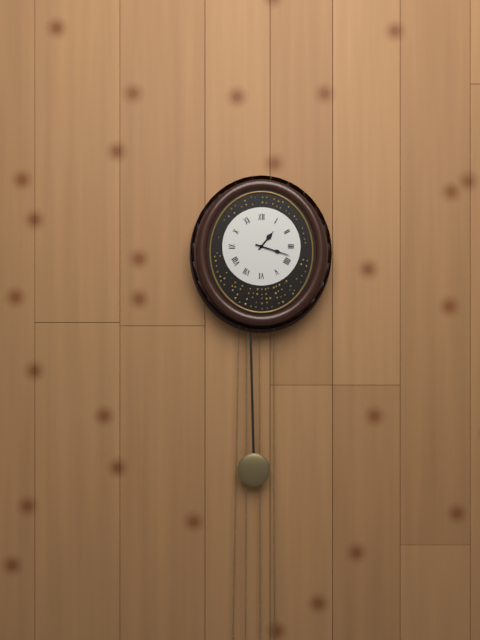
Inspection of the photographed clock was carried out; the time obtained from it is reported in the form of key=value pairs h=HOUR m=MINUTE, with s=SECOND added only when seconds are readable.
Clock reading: h=1 m=18
